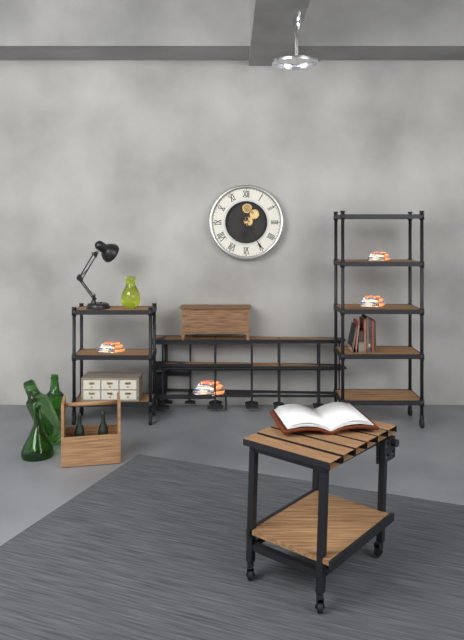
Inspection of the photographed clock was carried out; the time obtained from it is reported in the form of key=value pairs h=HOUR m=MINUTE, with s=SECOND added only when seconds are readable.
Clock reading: h=6 m=25
